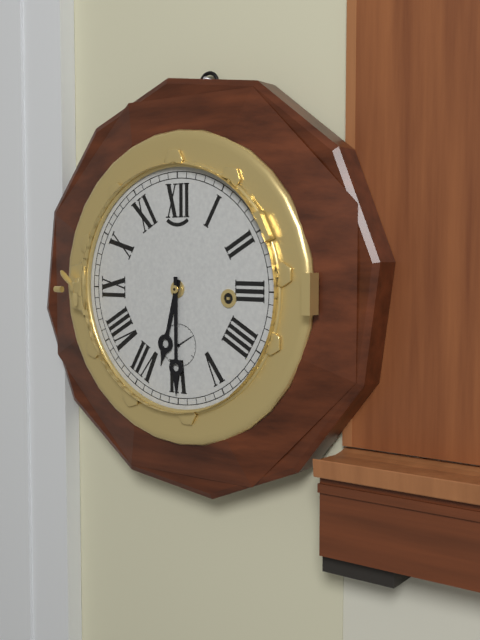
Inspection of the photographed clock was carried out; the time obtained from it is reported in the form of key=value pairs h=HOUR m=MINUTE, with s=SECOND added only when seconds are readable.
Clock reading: h=6 m=30
